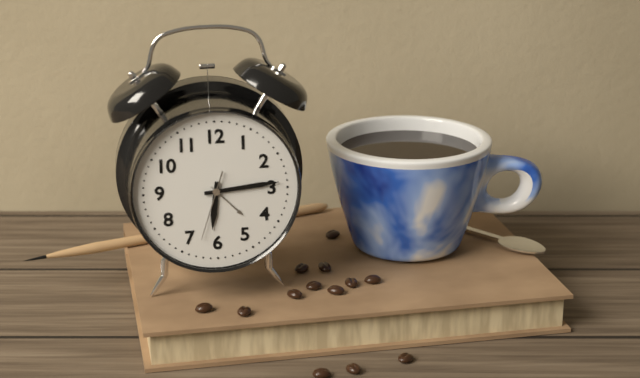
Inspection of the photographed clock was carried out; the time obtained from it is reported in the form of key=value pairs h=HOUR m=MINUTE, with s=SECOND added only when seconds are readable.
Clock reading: h=6 m=14 s=33
